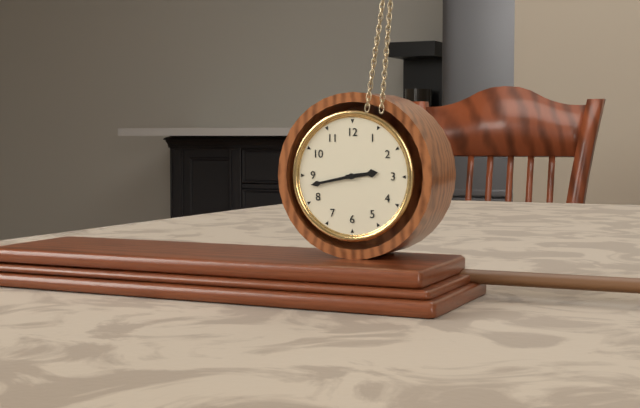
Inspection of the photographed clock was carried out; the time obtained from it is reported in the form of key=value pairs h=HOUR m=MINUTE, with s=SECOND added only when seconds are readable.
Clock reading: h=2 m=43
